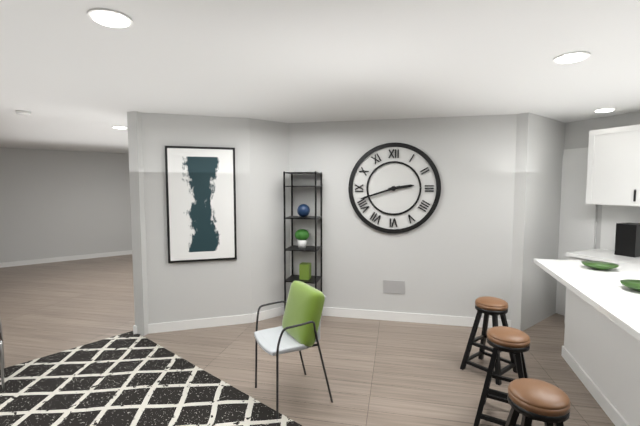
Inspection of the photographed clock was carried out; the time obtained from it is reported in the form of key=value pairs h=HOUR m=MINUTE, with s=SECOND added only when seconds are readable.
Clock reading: h=2 m=42
